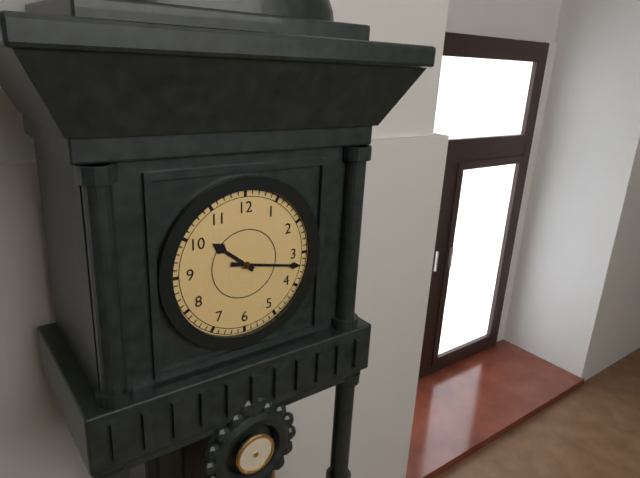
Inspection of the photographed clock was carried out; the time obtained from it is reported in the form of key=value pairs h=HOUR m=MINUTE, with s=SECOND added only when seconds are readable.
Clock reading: h=10 m=17
